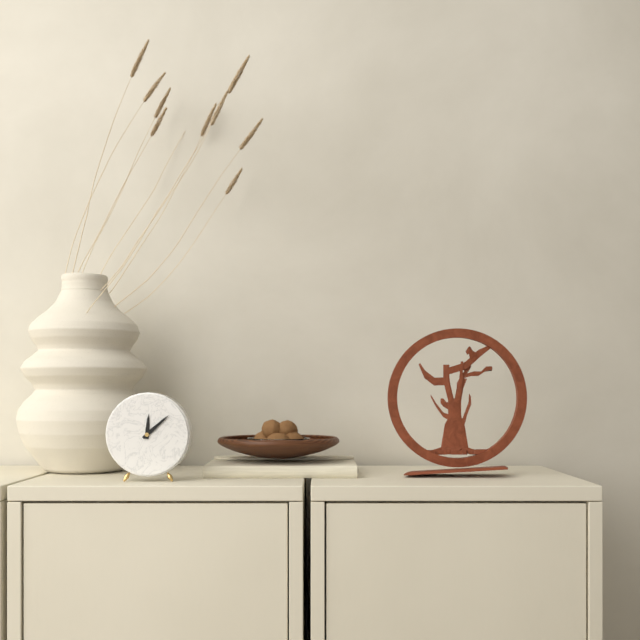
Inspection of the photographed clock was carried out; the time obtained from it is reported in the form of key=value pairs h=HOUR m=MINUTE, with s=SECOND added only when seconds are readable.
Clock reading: h=12 m=8
